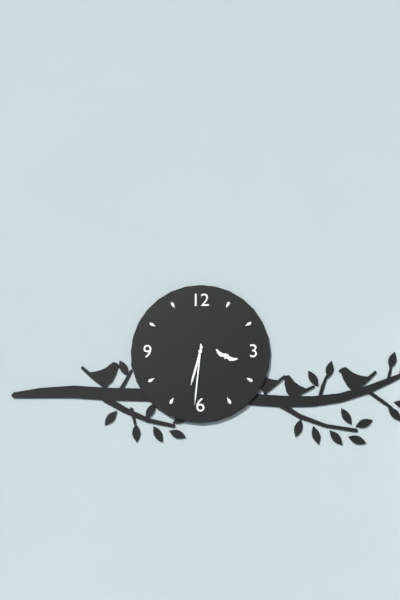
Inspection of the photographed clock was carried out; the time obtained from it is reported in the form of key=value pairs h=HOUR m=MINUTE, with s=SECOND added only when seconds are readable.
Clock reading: h=6 m=31
